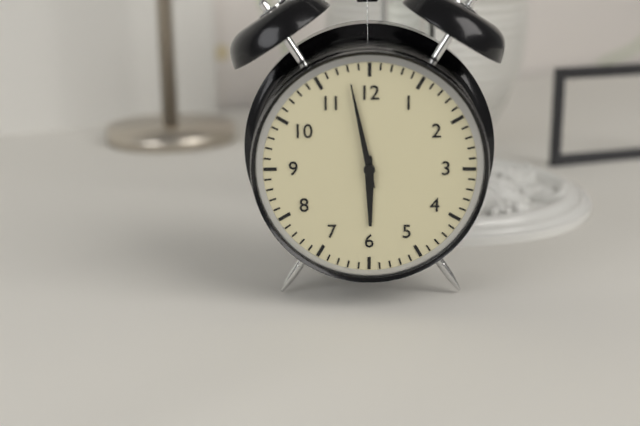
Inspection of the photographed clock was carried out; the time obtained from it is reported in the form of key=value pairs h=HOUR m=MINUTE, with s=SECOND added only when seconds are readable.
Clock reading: h=5 m=58
